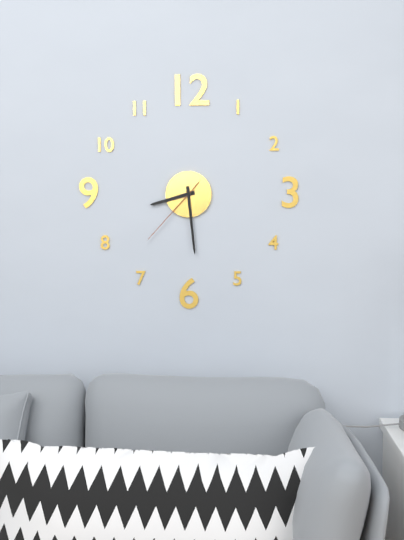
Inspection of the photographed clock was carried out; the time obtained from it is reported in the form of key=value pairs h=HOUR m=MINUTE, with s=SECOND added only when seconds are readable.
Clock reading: h=8 m=29 s=37
